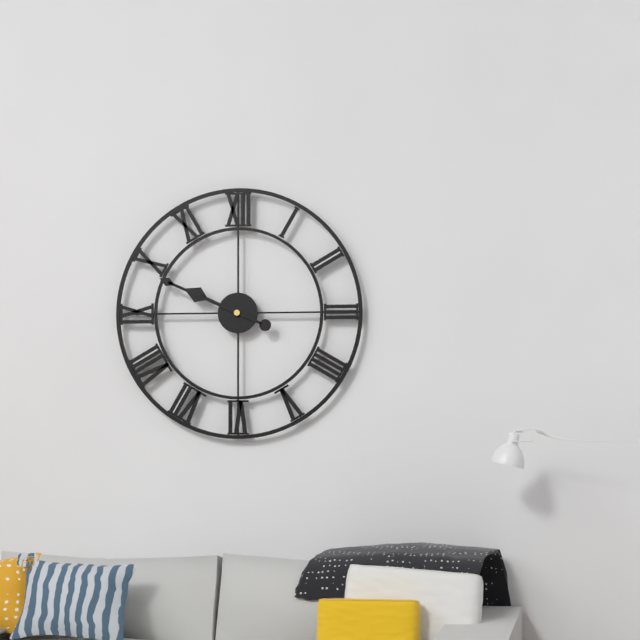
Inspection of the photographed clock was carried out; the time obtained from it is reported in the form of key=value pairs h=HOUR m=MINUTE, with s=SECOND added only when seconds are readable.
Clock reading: h=9 m=49
